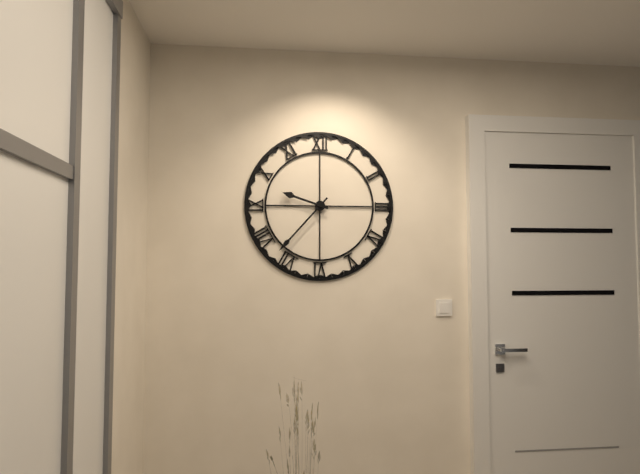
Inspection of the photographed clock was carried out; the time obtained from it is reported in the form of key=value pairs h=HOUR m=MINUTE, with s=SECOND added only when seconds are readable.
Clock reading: h=9 m=37
